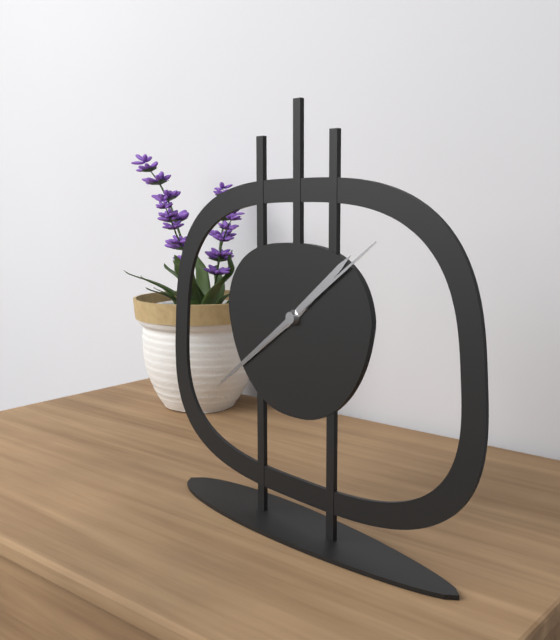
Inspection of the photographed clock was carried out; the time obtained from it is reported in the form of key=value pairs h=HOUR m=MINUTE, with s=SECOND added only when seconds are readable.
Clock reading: h=1 m=39 s=9
